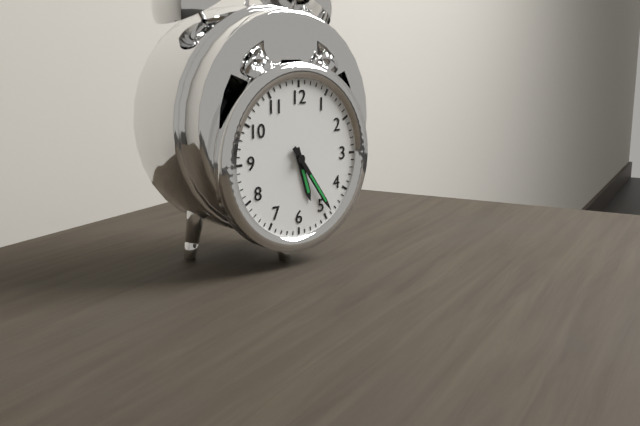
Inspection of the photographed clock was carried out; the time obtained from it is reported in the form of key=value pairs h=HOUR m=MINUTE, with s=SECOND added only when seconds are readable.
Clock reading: h=5 m=24
